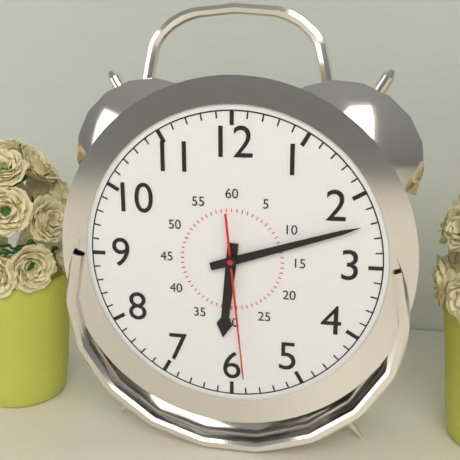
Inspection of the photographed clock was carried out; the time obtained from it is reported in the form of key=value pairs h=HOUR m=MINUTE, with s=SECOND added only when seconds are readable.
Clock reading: h=6 m=12 s=29
